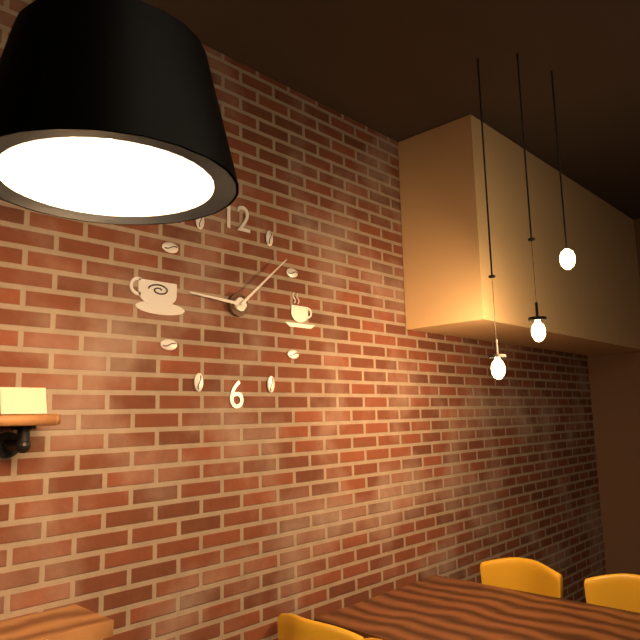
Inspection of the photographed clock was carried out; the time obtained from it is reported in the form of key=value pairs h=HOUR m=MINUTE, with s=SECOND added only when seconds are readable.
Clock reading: h=9 m=8
